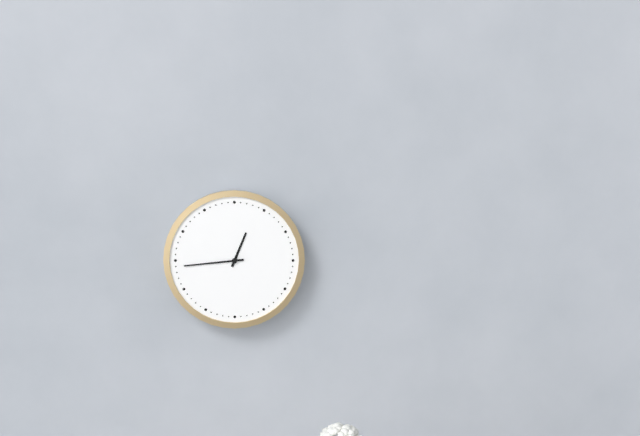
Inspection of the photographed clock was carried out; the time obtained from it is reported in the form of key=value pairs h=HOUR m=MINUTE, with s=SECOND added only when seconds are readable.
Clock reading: h=12 m=44
